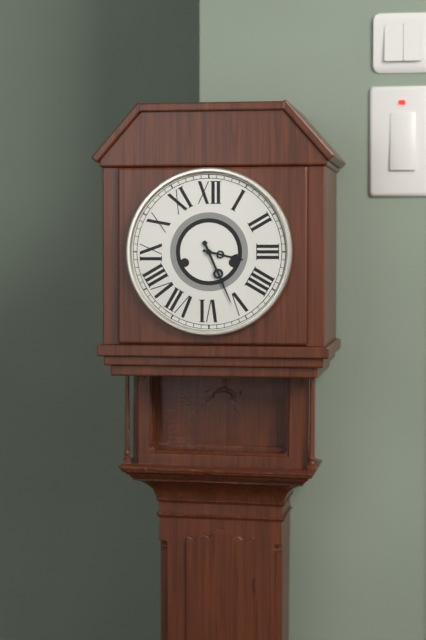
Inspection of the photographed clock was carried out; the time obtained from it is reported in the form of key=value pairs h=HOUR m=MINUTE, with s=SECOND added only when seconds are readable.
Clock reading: h=3 m=26
